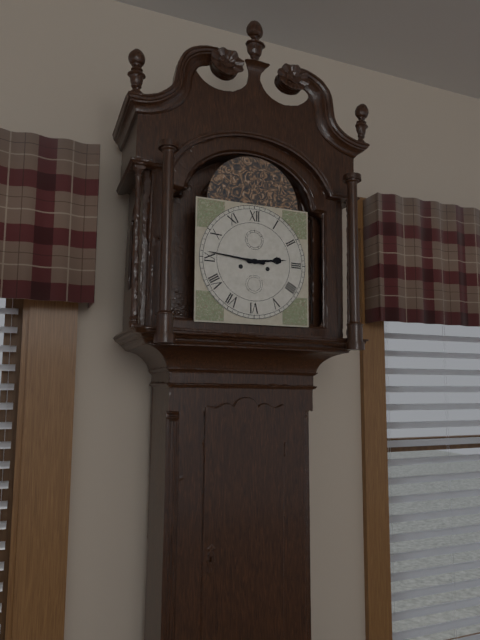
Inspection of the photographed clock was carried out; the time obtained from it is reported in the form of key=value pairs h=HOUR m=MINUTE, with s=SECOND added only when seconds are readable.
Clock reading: h=2 m=46
